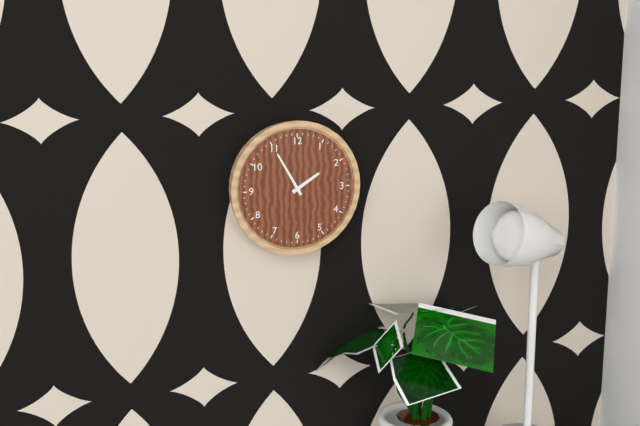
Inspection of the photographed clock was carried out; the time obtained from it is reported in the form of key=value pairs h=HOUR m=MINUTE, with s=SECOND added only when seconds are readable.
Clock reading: h=1 m=55
